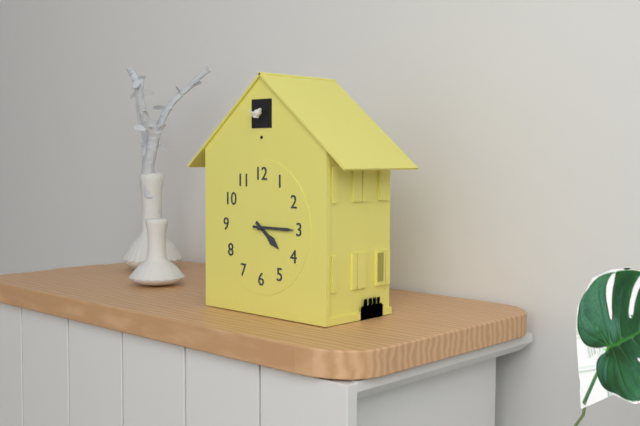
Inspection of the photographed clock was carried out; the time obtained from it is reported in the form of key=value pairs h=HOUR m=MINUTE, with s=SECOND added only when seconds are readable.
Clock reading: h=4 m=15
